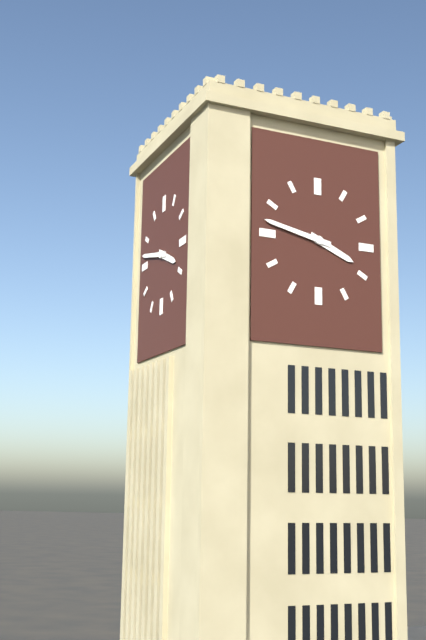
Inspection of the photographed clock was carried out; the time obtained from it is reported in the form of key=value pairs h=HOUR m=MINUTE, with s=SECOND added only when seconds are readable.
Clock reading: h=3 m=47
